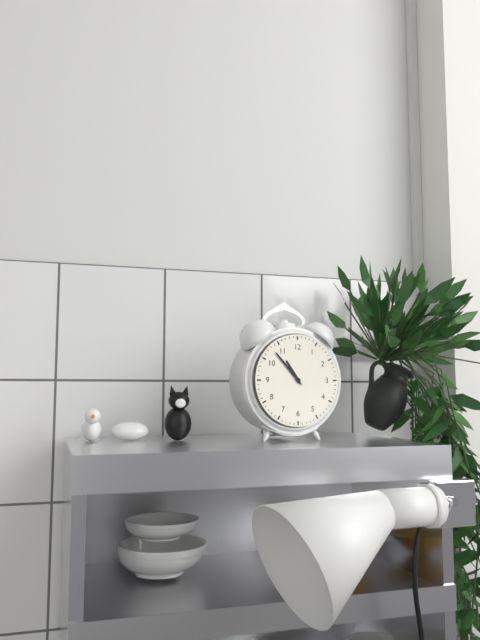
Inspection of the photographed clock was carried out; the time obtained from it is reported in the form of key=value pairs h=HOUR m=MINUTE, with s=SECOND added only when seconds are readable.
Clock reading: h=10 m=53
